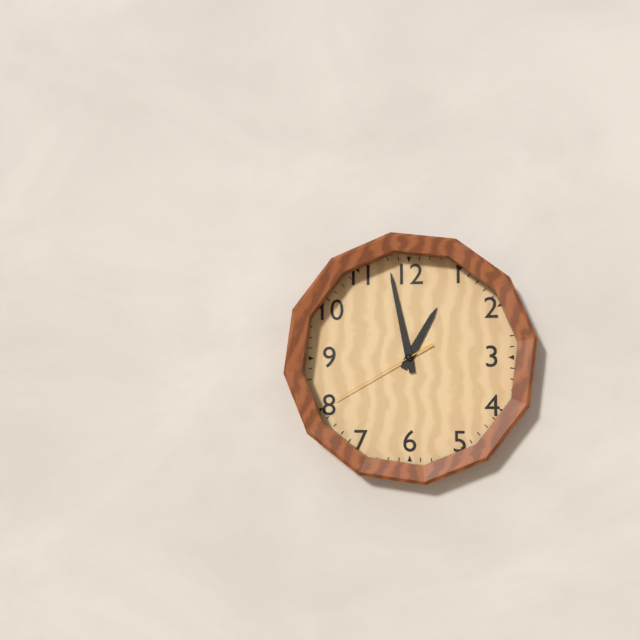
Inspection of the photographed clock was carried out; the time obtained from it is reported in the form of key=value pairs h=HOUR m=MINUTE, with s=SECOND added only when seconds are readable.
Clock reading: h=12 m=58 s=40
